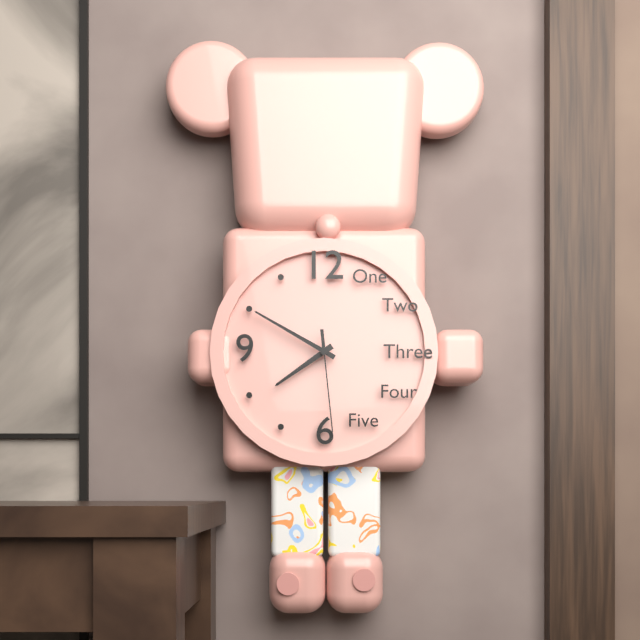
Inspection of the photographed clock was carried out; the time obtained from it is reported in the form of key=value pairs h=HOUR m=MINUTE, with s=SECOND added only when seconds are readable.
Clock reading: h=7 m=50 s=29
